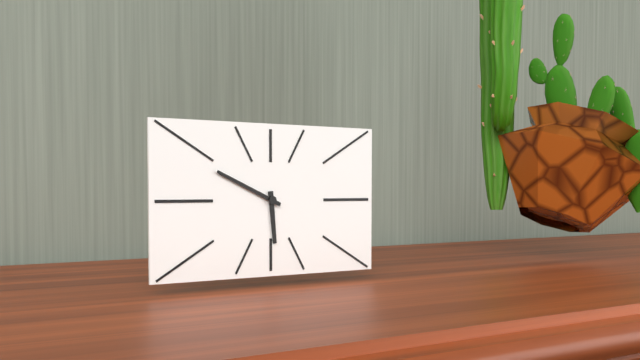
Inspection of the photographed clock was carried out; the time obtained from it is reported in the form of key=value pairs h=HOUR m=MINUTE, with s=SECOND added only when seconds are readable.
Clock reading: h=5 m=49
